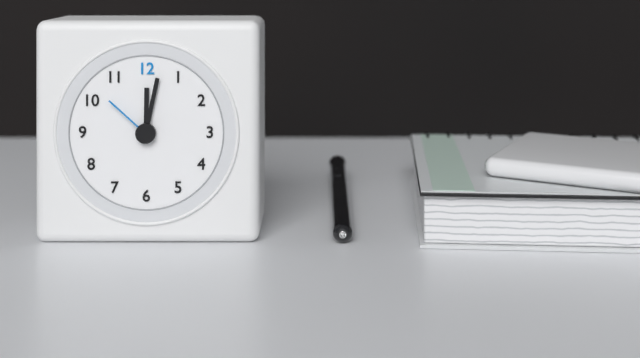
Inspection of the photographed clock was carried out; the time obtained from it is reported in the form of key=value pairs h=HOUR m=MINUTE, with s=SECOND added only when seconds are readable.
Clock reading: h=12 m=2 s=52
